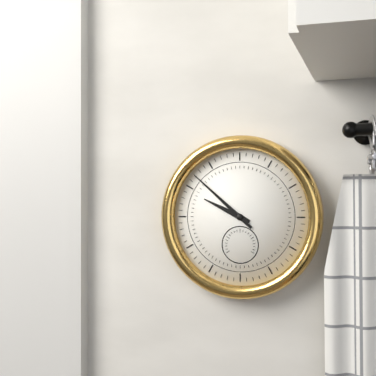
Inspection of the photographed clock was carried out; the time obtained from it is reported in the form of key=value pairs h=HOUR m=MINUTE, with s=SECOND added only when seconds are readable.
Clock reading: h=9 m=52
